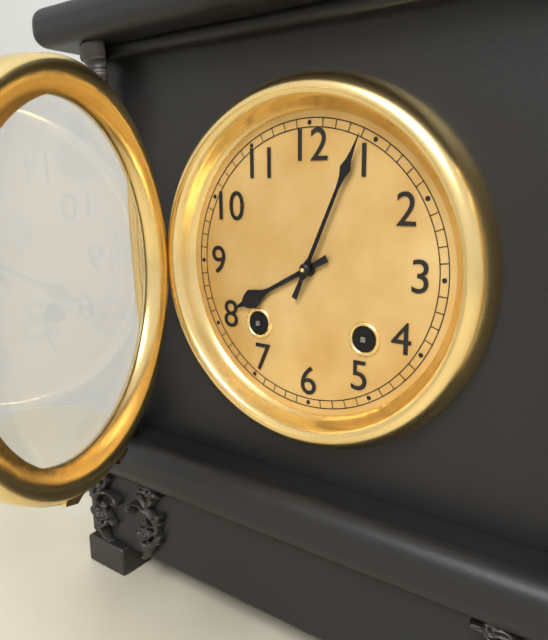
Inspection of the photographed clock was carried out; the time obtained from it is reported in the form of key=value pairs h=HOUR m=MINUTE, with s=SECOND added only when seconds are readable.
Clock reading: h=8 m=4
